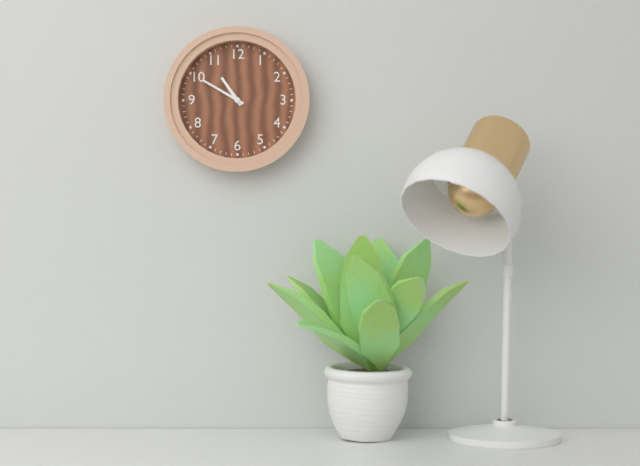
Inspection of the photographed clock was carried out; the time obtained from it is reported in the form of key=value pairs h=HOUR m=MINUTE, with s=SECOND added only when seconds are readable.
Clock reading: h=10 m=50
